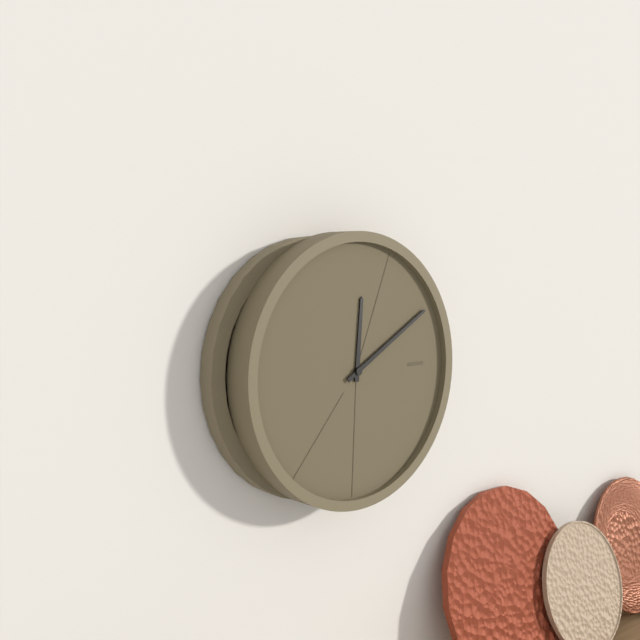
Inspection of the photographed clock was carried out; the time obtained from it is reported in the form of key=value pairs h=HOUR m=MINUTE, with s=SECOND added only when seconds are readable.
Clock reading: h=12 m=10
